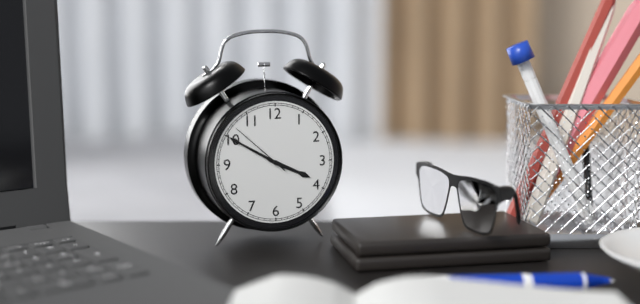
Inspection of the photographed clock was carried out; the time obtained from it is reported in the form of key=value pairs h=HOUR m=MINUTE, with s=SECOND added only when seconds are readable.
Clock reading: h=3 m=50 s=52
